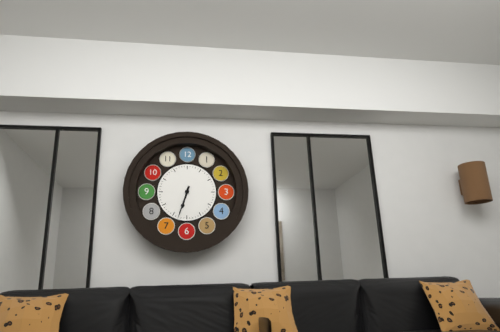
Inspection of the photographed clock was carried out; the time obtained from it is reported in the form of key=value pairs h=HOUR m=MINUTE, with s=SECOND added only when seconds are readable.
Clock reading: h=6 m=33
